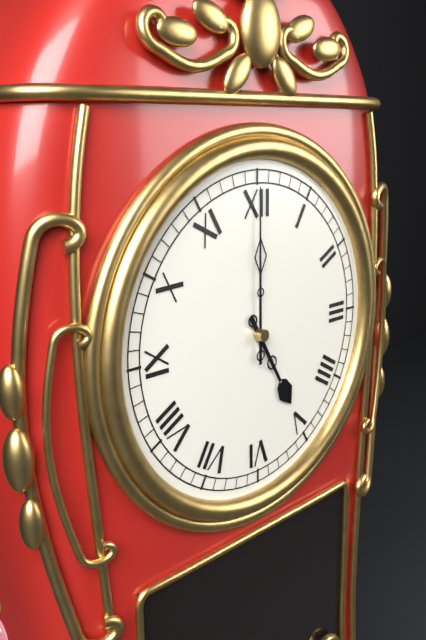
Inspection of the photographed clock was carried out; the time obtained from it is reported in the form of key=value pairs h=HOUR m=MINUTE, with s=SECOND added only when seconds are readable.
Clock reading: h=5 m=0
